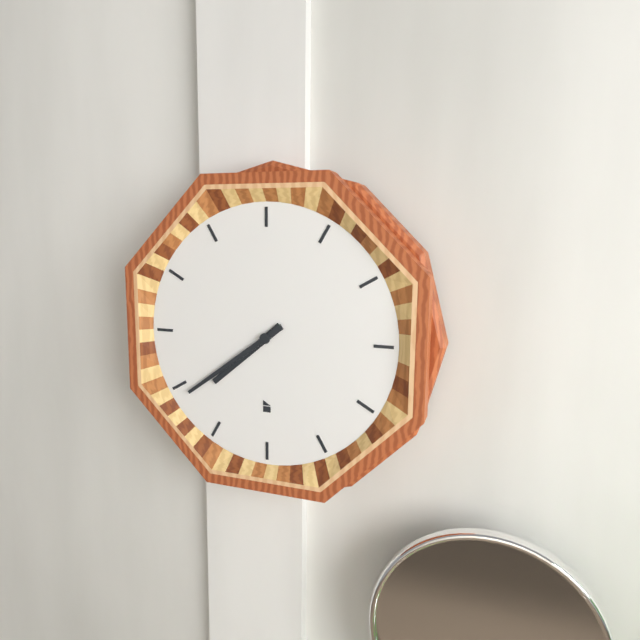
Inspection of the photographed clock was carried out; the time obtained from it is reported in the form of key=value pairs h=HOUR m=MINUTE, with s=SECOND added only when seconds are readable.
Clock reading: h=7 m=39
